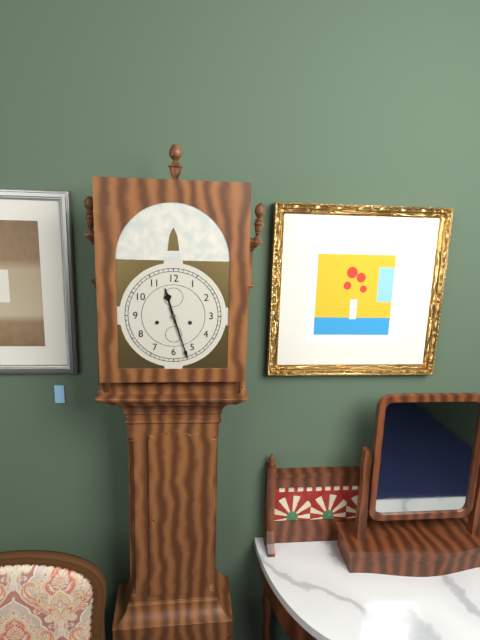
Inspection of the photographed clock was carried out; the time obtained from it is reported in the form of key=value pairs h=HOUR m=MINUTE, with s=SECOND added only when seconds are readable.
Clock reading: h=11 m=27
